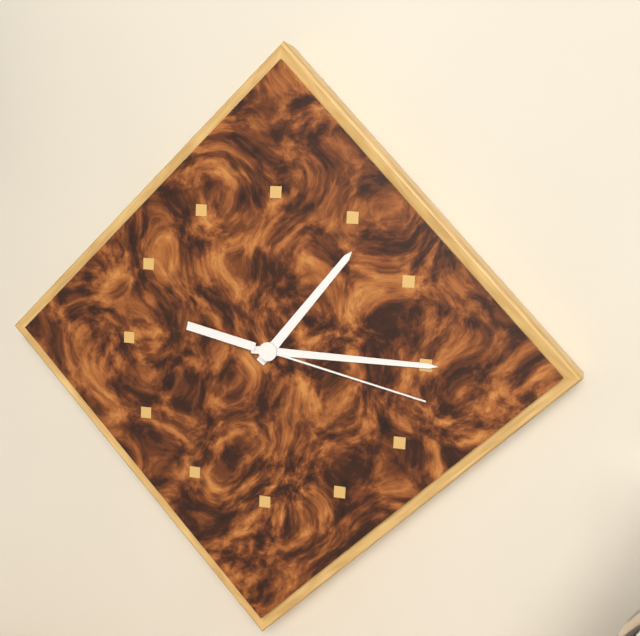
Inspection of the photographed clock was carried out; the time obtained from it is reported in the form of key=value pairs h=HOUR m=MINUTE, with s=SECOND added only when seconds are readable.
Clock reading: h=1 m=15 s=17
